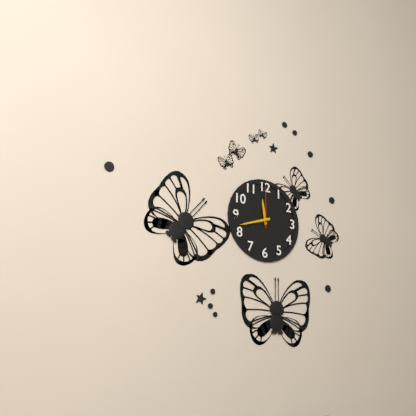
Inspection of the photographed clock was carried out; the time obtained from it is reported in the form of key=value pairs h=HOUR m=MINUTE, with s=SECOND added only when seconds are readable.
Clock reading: h=11 m=42
